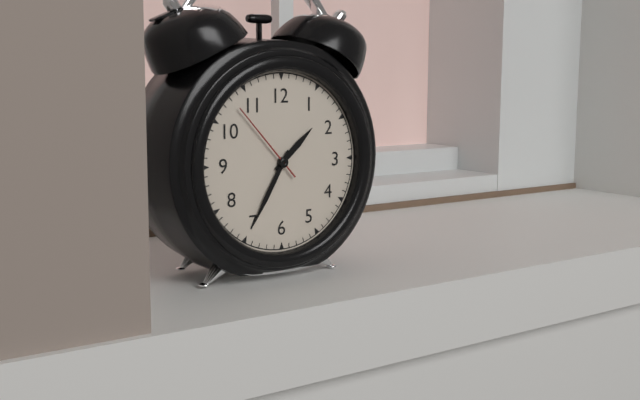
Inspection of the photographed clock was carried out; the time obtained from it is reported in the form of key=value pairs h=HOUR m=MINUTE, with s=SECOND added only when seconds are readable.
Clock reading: h=1 m=35 s=53
